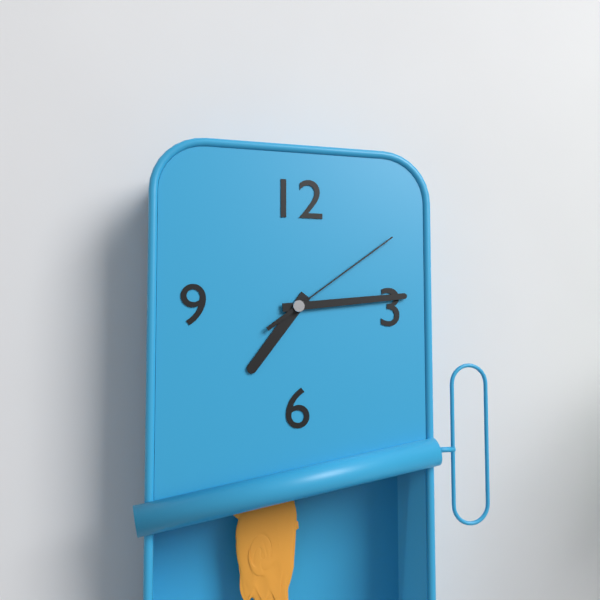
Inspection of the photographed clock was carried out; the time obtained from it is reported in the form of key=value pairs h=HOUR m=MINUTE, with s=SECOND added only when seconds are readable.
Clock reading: h=7 m=14 s=9
